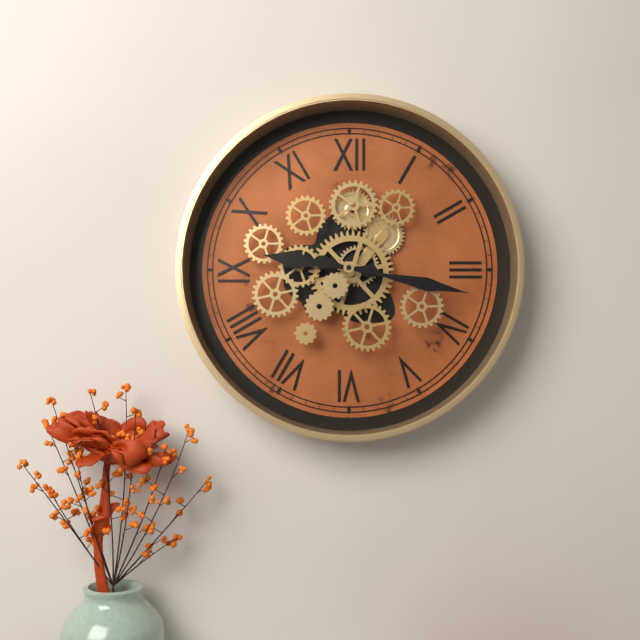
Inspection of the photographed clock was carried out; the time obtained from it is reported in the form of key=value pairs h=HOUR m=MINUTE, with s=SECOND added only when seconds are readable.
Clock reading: h=9 m=17
